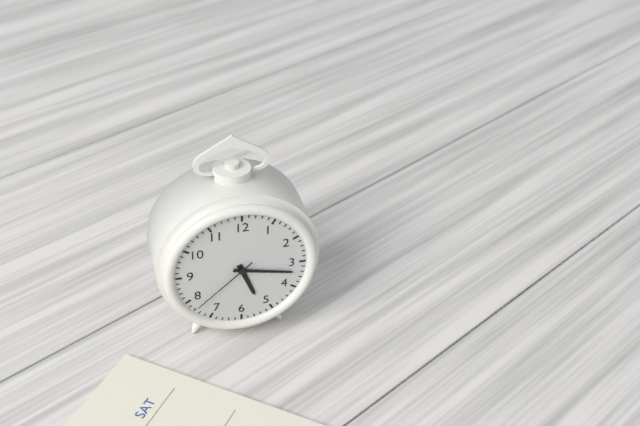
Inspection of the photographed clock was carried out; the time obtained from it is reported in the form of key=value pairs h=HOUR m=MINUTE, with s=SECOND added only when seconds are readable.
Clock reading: h=5 m=17 s=38
